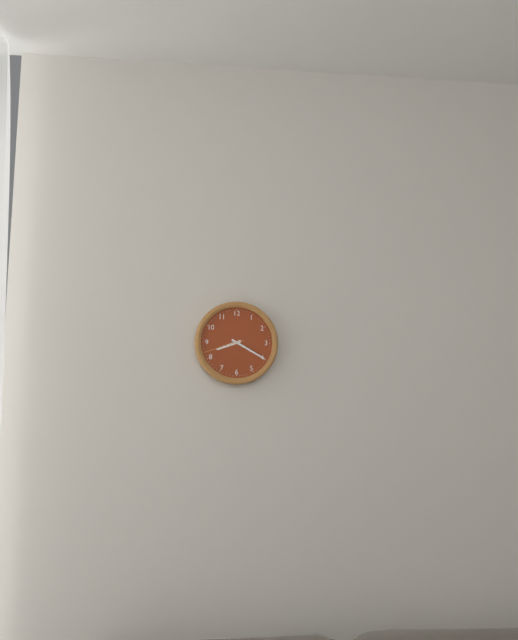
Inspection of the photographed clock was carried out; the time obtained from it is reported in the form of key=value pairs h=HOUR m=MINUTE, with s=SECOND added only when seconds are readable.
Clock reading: h=8 m=20
